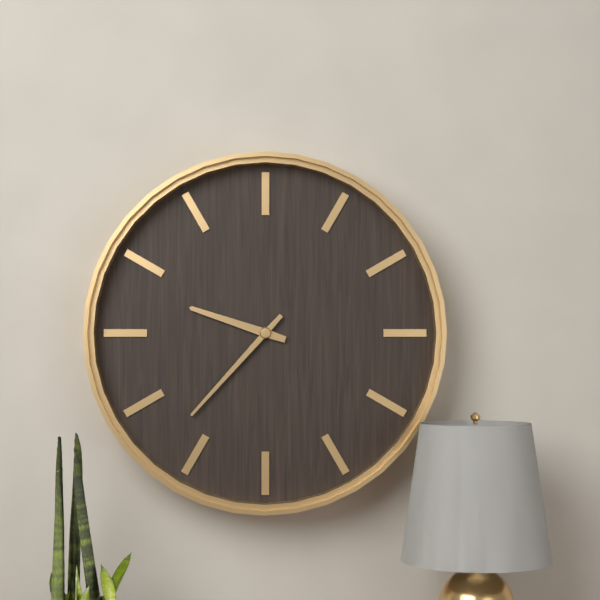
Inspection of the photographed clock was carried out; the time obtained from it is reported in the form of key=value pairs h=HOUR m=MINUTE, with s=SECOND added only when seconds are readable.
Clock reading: h=9 m=37
